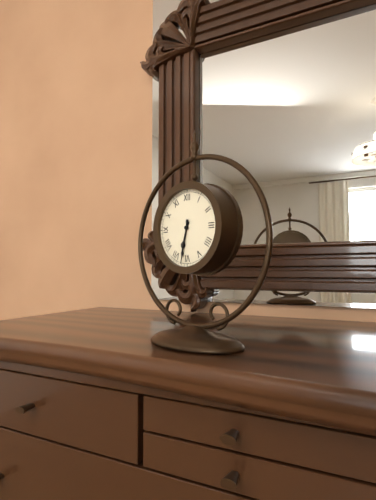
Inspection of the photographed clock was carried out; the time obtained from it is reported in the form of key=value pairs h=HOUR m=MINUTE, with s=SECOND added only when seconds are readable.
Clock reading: h=6 m=32
